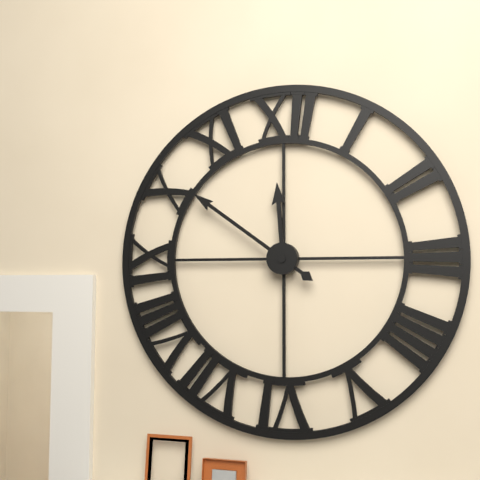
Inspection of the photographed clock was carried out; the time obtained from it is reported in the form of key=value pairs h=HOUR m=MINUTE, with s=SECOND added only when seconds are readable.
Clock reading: h=11 m=51
